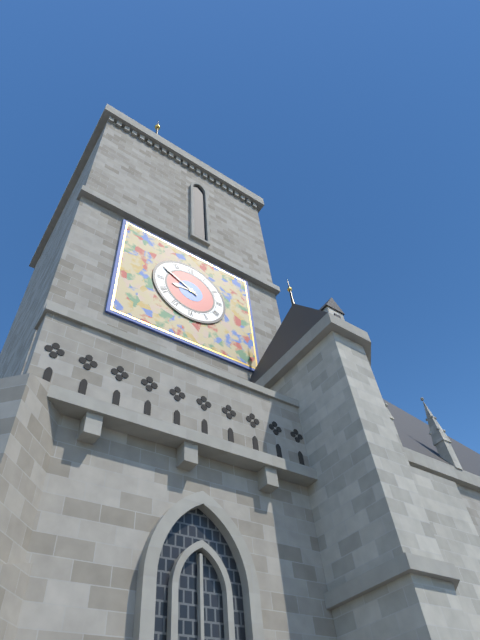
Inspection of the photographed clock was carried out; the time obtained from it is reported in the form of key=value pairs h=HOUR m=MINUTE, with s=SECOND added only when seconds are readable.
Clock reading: h=8 m=50
